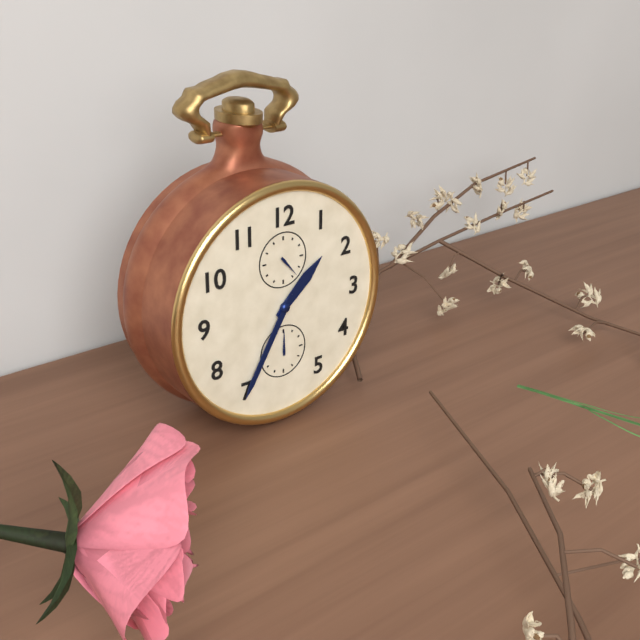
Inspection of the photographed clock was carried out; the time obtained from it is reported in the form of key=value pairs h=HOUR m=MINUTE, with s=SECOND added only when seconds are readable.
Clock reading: h=1 m=35
